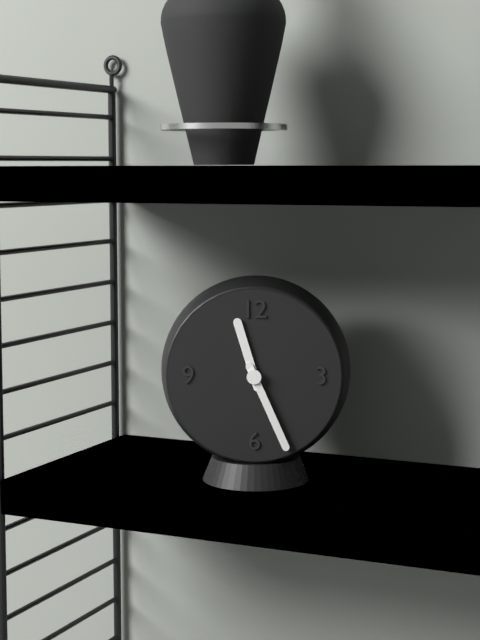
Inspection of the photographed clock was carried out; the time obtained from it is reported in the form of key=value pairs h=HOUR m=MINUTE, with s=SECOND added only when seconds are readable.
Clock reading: h=11 m=26
